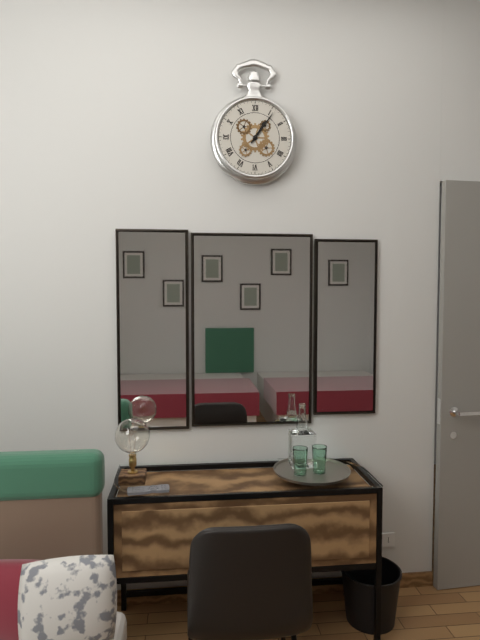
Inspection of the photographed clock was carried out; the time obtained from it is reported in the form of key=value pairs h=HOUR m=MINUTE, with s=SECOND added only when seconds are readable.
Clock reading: h=1 m=6
